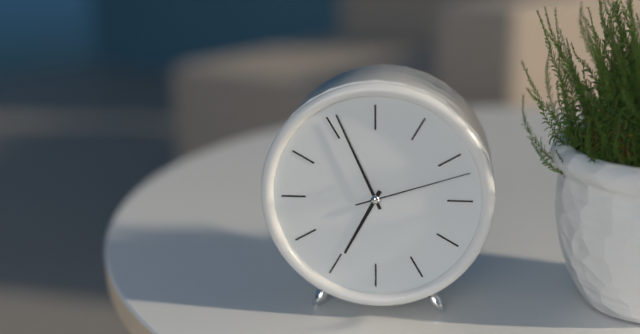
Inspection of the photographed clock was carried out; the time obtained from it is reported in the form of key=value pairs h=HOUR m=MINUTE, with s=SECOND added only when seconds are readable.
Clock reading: h=6 m=56 s=12
